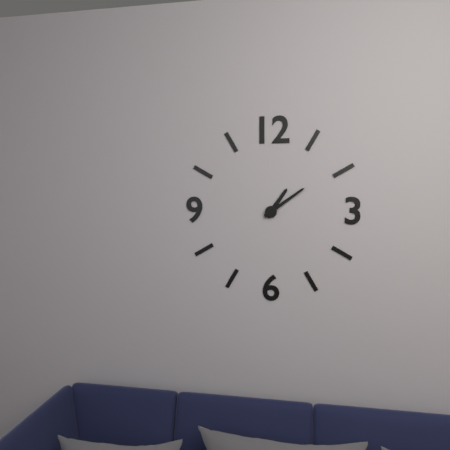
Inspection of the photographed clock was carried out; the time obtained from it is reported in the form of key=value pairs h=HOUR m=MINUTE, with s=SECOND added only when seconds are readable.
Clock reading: h=1 m=9
